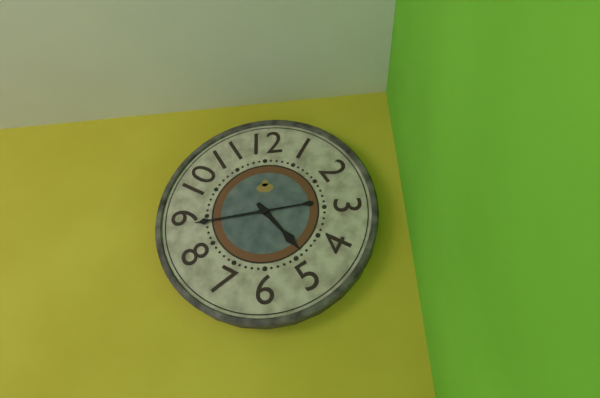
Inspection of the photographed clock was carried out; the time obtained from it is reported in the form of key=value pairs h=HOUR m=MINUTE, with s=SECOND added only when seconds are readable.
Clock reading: h=4 m=44
